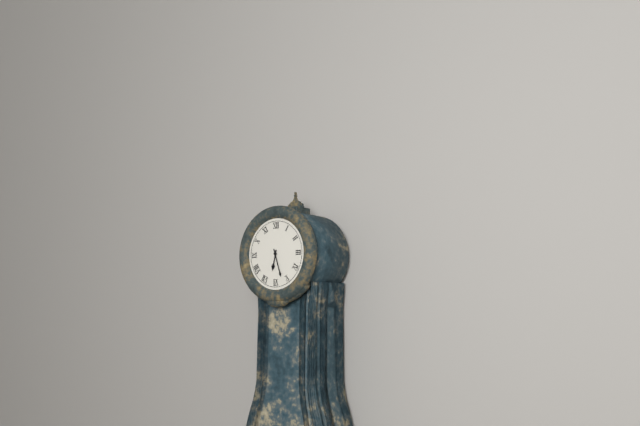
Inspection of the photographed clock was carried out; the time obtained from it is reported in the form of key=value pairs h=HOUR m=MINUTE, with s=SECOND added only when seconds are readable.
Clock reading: h=6 m=27
